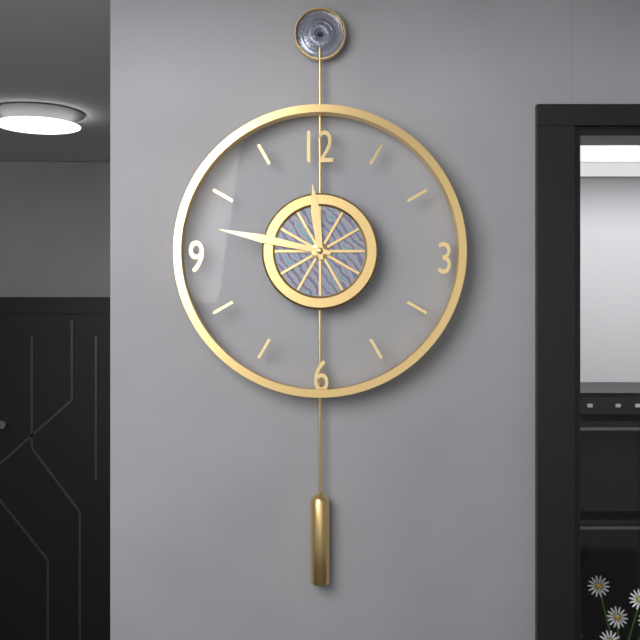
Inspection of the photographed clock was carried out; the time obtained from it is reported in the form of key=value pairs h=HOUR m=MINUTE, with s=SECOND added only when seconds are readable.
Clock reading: h=11 m=47
